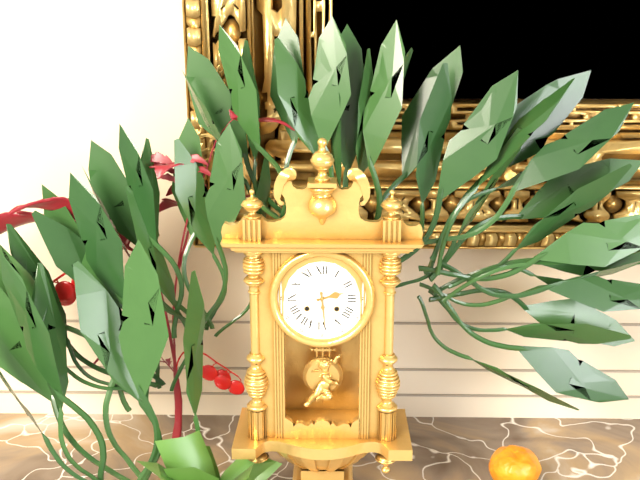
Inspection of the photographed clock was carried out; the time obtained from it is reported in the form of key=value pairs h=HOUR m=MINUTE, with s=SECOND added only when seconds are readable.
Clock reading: h=2 m=29
